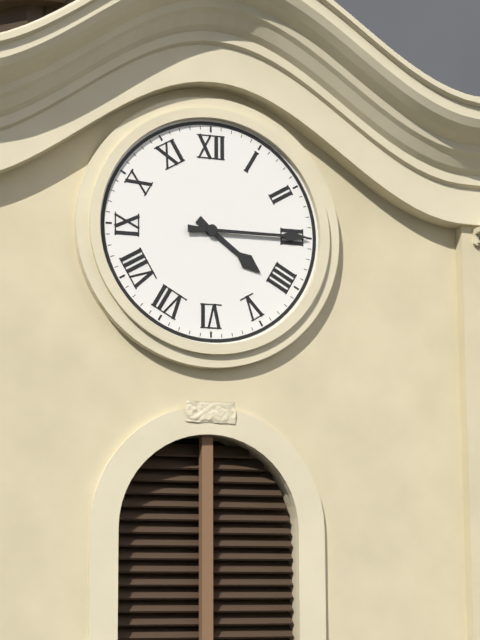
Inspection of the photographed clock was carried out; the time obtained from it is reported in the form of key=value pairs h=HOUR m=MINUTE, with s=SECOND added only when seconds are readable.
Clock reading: h=4 m=15
